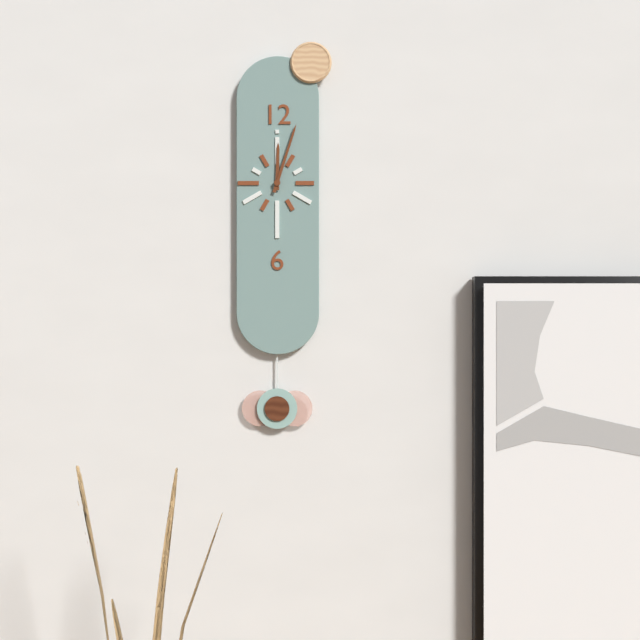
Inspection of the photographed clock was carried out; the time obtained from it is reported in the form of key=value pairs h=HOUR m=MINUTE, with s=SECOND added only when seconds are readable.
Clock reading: h=12 m=3
